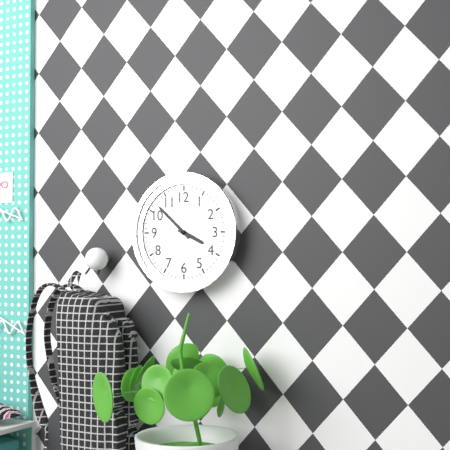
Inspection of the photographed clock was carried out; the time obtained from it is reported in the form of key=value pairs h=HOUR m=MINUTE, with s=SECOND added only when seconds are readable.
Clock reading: h=3 m=52
